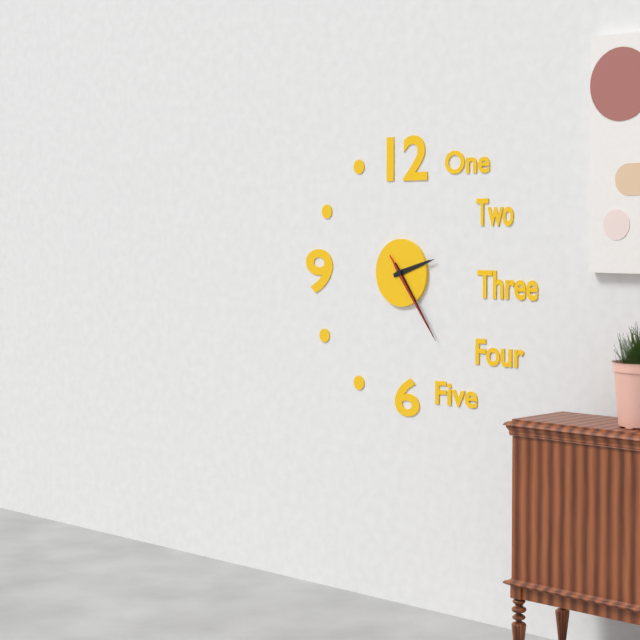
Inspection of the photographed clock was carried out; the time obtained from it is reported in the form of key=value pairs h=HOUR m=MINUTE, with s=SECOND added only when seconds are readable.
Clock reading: h=2 m=24 s=24
